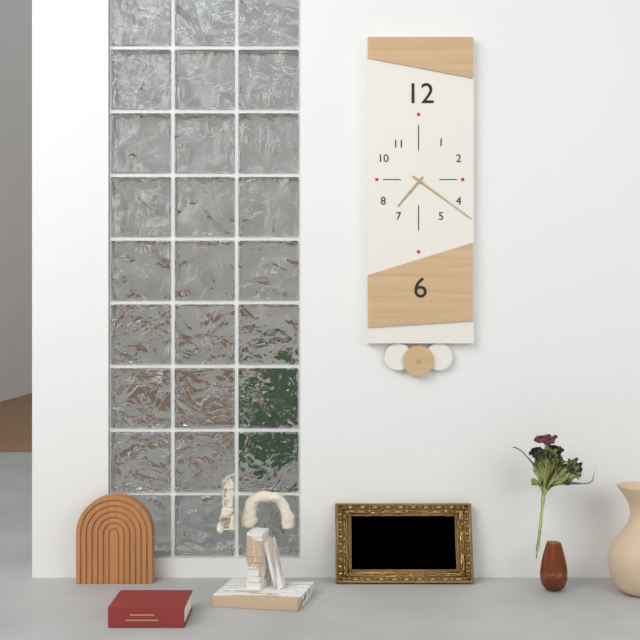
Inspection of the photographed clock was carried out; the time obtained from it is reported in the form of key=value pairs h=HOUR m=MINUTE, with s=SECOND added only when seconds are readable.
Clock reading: h=7 m=21
